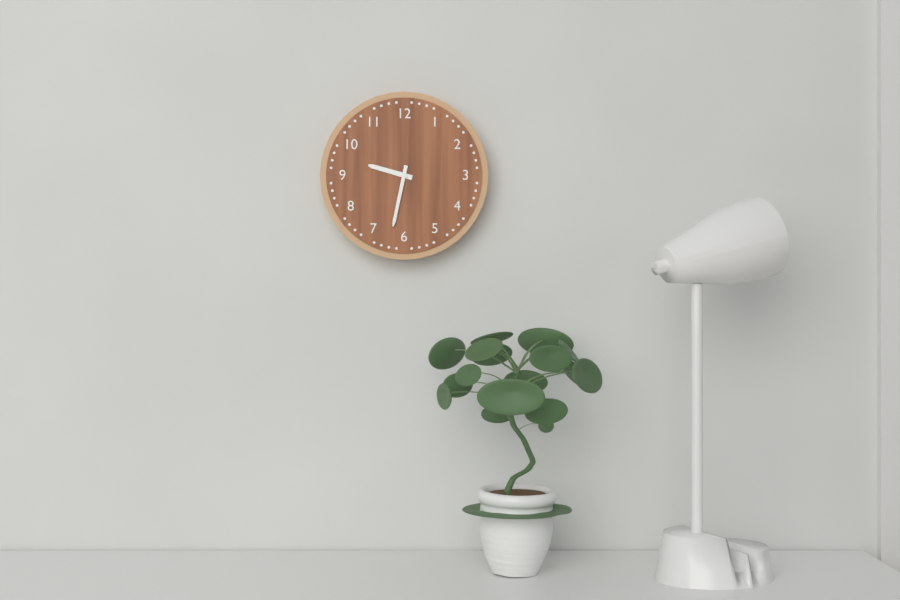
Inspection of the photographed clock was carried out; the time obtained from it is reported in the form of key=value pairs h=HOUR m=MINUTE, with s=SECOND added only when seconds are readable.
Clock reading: h=9 m=32
